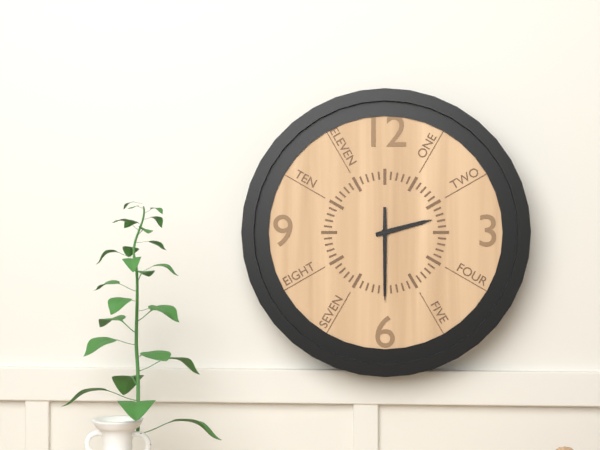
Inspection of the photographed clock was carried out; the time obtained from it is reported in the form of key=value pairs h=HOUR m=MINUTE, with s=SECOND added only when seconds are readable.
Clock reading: h=2 m=30
